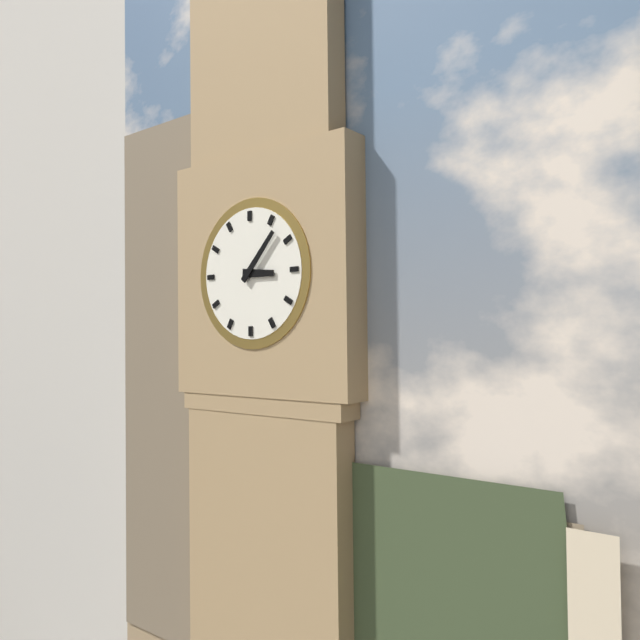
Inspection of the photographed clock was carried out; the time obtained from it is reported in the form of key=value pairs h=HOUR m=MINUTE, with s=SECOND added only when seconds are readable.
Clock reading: h=3 m=7
